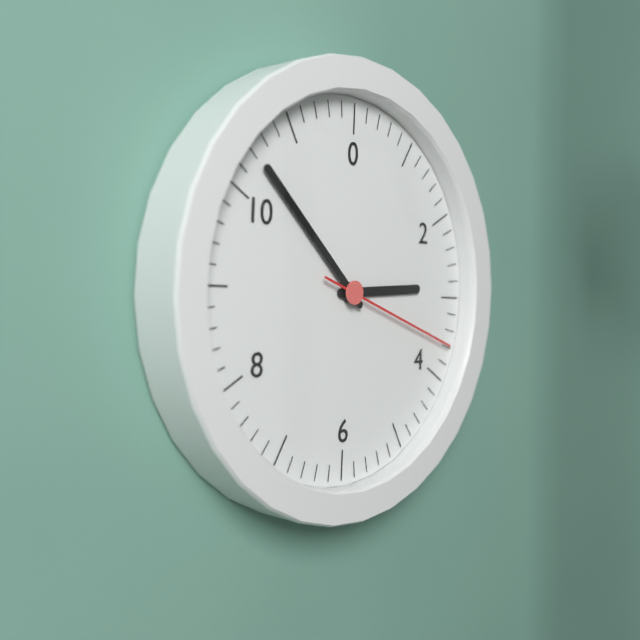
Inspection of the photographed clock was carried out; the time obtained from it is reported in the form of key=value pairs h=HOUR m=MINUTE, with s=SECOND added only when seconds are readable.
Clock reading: h=2 m=52 s=18
